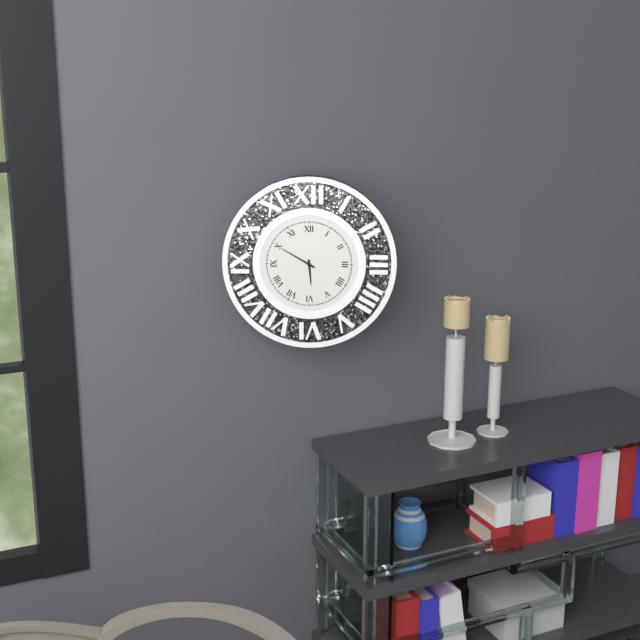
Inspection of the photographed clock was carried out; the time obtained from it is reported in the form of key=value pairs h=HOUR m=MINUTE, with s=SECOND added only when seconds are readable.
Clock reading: h=5 m=50
